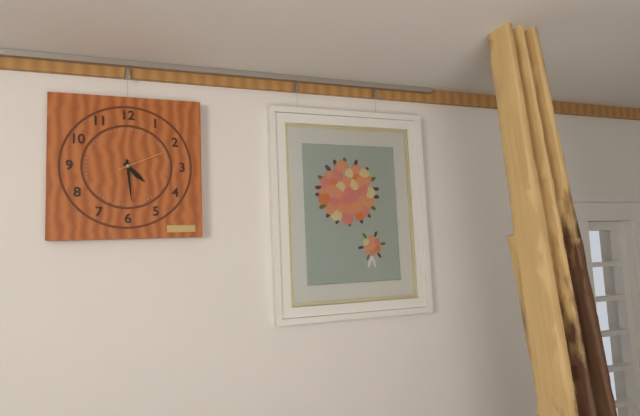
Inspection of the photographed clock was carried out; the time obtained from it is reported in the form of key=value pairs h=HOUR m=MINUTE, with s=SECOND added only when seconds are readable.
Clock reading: h=4 m=29
